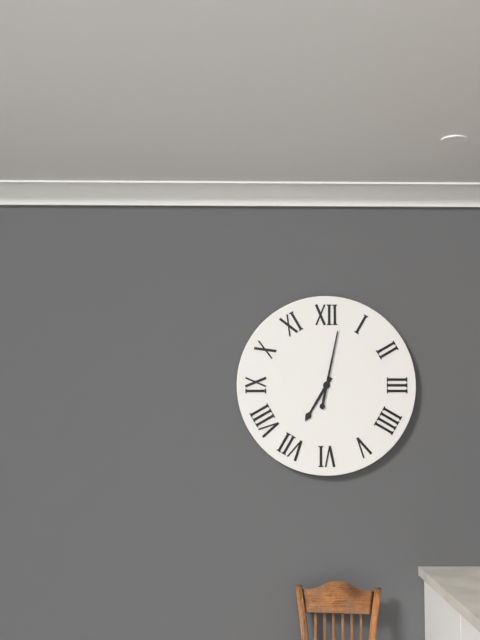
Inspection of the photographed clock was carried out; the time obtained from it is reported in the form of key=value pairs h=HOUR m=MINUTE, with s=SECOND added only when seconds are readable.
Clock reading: h=7 m=2
